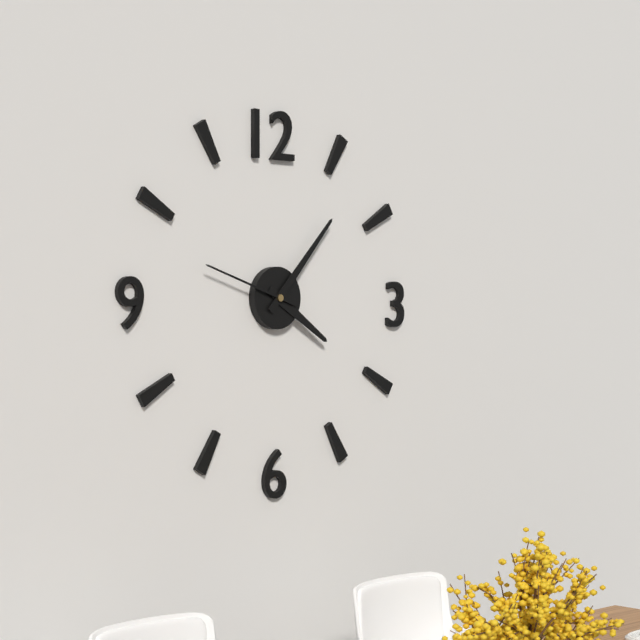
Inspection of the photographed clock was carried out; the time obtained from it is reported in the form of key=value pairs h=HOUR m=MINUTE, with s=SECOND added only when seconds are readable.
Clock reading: h=4 m=7 s=48
